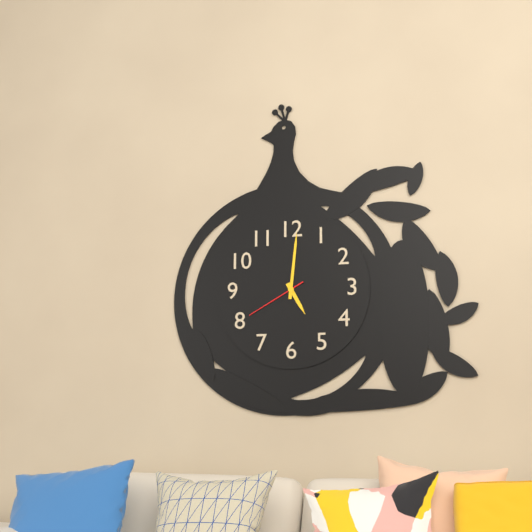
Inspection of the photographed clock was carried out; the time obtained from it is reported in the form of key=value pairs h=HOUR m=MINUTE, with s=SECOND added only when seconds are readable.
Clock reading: h=5 m=1 s=40
